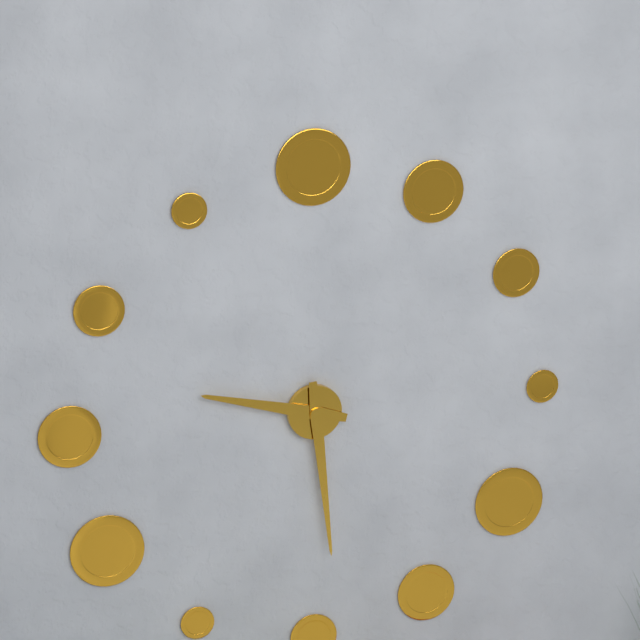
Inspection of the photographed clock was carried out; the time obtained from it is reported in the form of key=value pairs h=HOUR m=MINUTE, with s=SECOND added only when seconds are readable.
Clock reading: h=9 m=29
